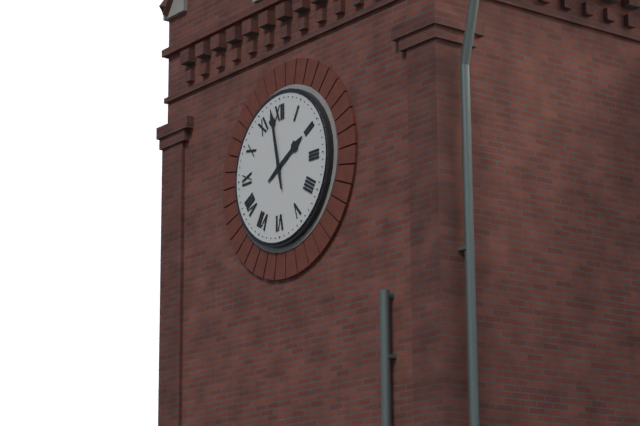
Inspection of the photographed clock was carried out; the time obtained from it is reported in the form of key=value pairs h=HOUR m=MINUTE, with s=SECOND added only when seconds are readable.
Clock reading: h=1 m=58
